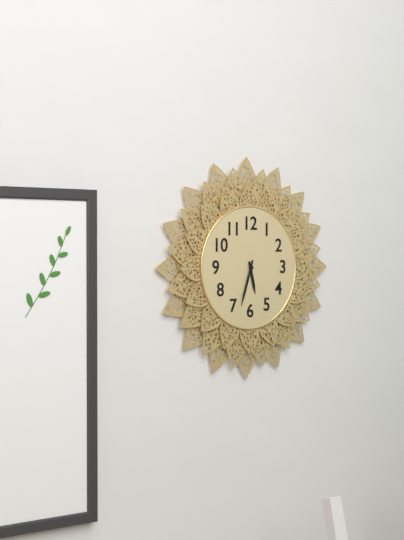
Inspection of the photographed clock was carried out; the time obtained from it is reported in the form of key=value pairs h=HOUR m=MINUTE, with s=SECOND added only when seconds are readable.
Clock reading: h=5 m=33
